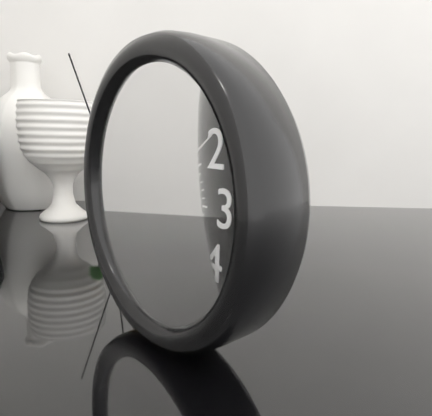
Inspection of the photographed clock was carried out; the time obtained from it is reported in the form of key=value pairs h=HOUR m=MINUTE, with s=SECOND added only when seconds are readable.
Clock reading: h=5 m=49 s=9
